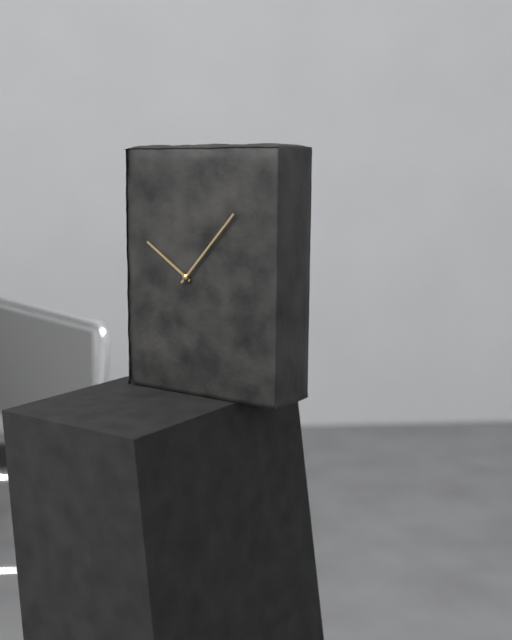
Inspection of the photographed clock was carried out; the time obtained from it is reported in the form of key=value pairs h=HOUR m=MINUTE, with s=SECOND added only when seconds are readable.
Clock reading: h=10 m=7
